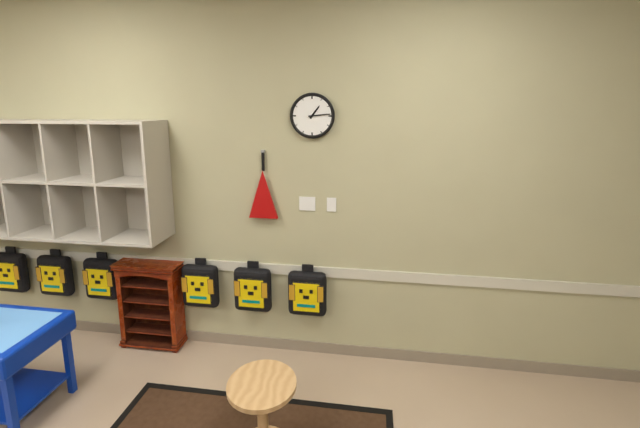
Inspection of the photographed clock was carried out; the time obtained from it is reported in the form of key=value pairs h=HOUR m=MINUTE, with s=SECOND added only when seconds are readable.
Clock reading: h=1 m=14
